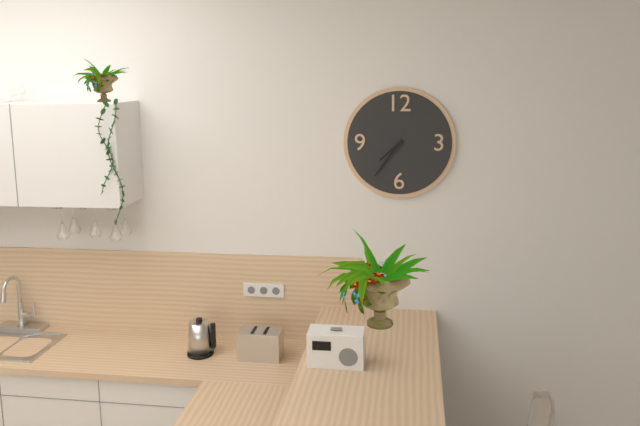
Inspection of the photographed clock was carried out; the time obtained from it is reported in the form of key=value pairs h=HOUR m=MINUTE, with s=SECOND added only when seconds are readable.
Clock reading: h=7 m=36
